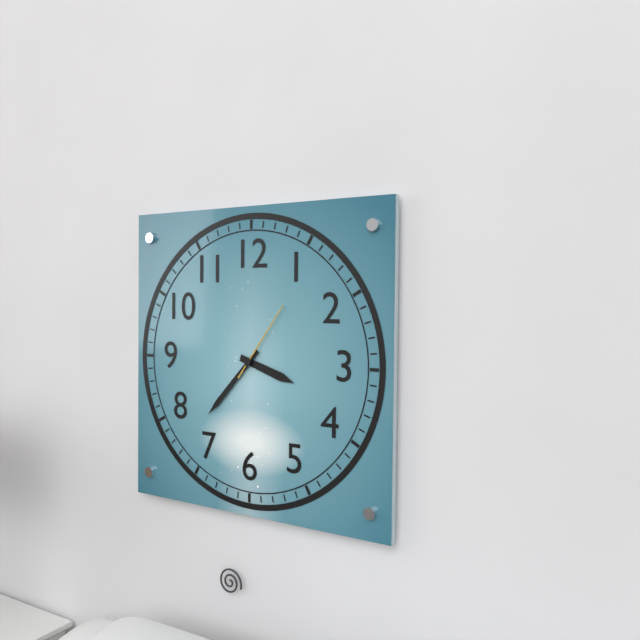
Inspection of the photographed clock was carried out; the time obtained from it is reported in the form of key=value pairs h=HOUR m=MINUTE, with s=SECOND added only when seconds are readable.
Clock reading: h=3 m=37 s=6
